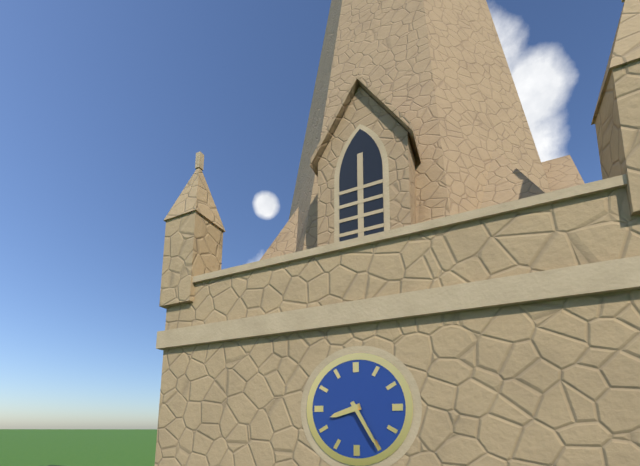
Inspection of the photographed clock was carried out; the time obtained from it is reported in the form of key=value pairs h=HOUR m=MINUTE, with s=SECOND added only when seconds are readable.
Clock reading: h=8 m=25
